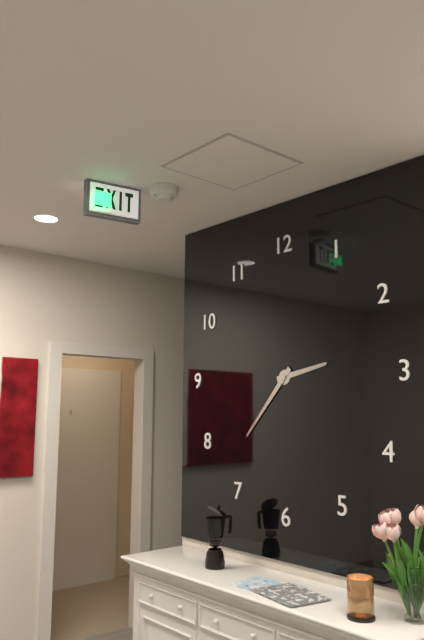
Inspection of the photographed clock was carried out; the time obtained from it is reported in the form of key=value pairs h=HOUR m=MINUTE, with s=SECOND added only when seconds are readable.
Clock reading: h=2 m=37
